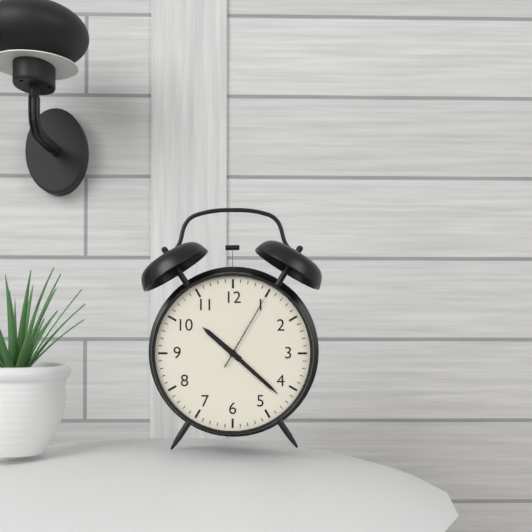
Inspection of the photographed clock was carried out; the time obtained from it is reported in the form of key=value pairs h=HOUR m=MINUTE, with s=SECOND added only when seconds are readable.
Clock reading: h=10 m=22 s=5
